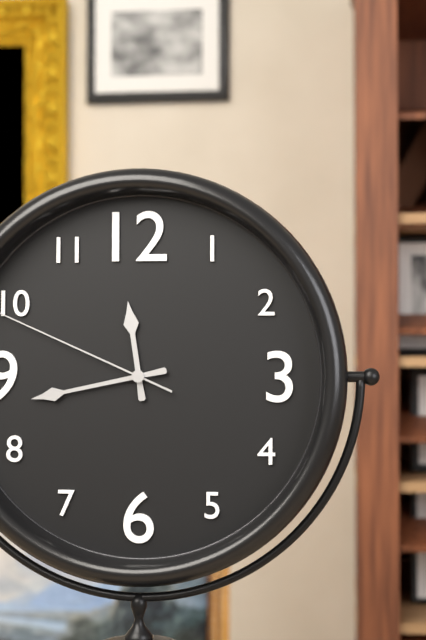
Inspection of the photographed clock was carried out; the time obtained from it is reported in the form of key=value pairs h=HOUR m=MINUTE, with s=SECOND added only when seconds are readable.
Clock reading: h=11 m=43
